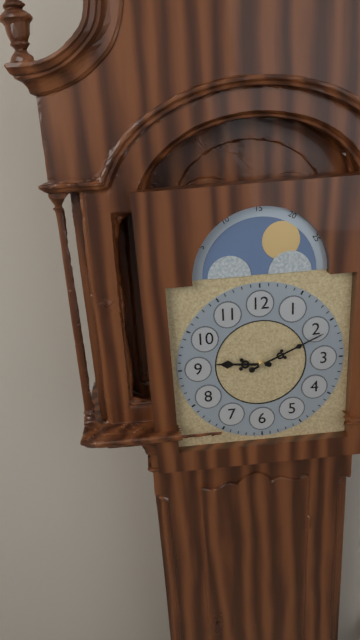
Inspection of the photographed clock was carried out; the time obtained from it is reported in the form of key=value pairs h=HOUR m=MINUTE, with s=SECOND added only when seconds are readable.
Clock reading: h=9 m=11
